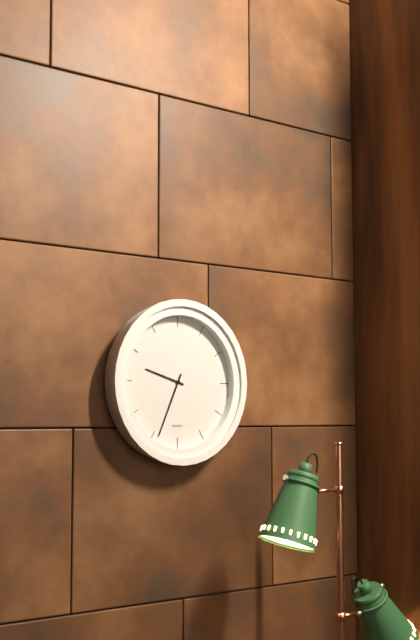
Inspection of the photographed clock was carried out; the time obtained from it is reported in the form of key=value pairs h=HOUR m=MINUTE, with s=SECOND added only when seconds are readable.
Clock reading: h=9 m=34
